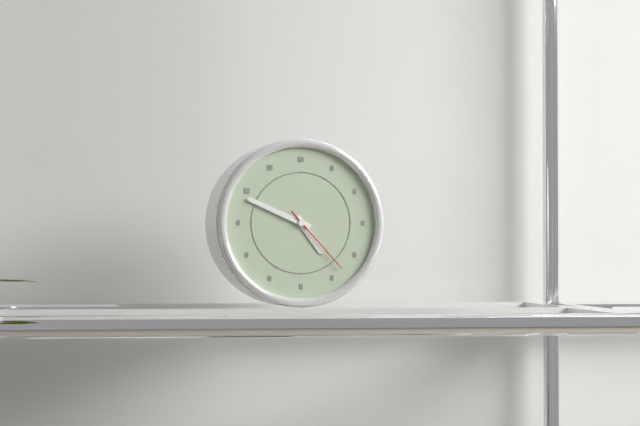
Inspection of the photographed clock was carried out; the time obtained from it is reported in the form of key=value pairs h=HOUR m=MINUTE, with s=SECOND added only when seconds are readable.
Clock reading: h=4 m=49 s=23
